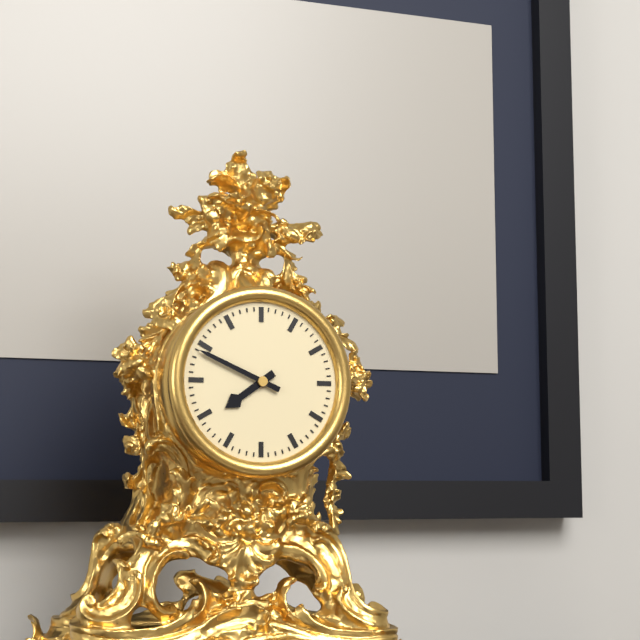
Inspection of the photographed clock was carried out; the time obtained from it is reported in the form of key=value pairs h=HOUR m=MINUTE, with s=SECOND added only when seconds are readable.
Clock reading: h=7 m=49
